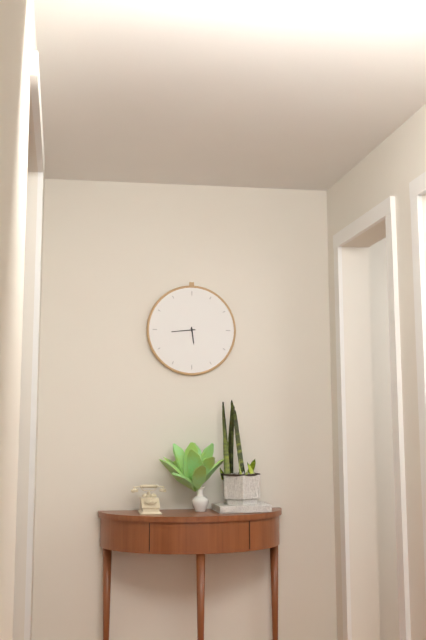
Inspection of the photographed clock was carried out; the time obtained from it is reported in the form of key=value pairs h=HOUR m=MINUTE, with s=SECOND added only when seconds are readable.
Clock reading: h=5 m=44
